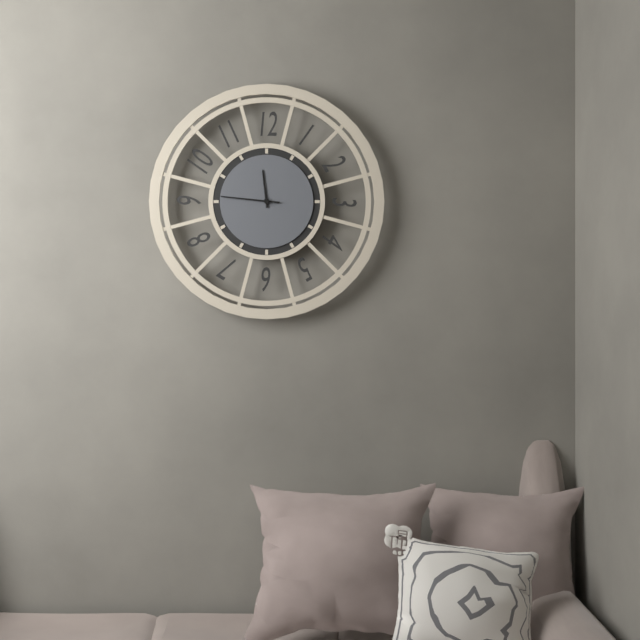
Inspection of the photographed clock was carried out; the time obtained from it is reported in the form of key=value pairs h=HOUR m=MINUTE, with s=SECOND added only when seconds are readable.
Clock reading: h=11 m=46
